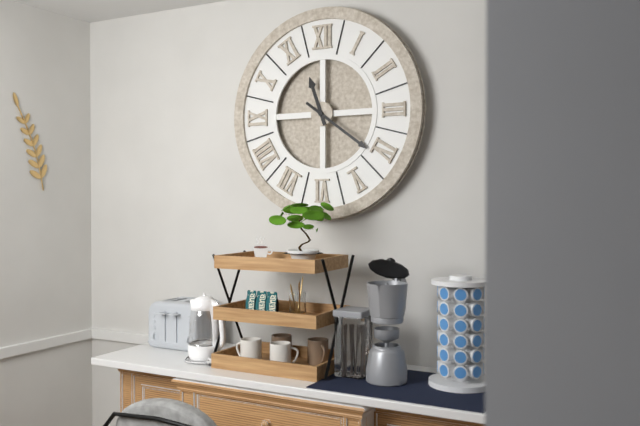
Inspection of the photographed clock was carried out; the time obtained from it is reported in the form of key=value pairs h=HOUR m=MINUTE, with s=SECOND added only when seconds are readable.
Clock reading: h=11 m=21
